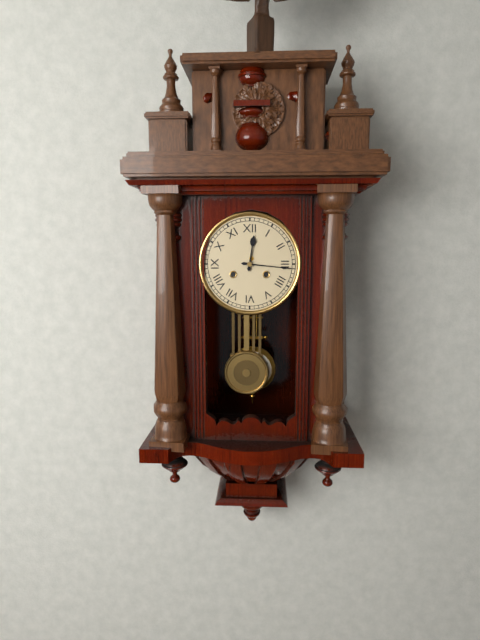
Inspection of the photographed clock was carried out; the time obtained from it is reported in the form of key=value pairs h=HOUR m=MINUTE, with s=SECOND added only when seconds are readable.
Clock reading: h=12 m=16
